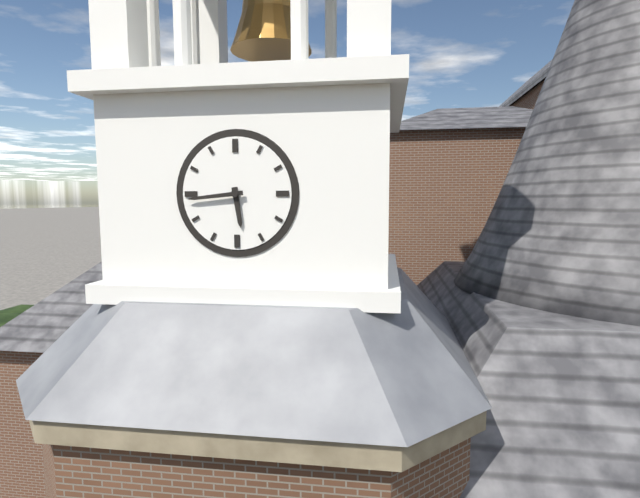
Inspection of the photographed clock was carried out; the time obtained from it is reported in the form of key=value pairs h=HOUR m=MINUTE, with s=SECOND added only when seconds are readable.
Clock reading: h=5 m=44
